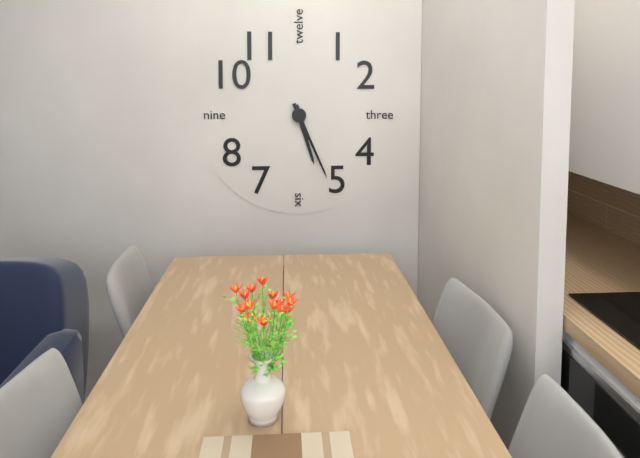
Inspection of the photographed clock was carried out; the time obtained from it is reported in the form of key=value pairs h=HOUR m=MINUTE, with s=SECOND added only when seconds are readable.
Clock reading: h=5 m=26
